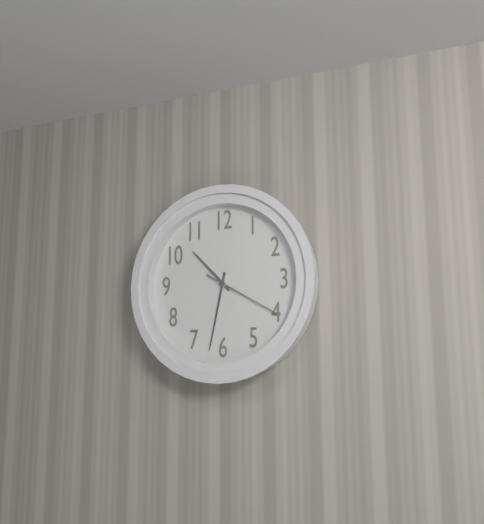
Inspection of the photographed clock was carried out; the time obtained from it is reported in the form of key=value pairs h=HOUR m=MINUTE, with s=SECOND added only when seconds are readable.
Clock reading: h=10 m=32 s=20
